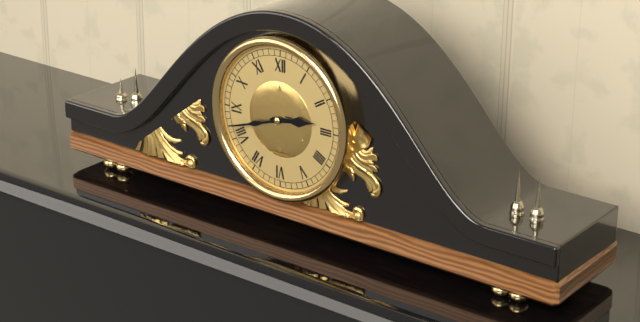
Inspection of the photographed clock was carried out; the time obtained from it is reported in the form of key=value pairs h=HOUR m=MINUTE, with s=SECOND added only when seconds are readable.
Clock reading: h=2 m=42
